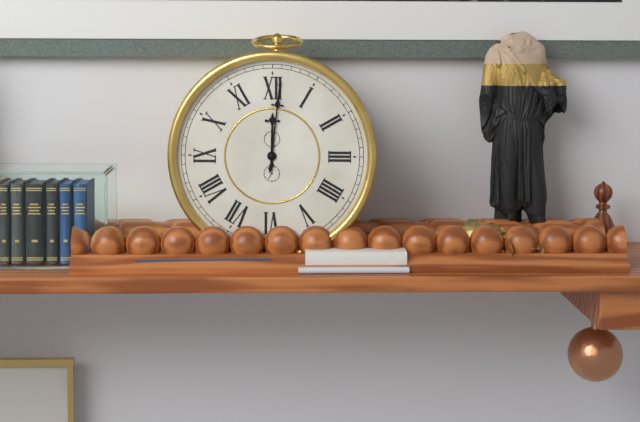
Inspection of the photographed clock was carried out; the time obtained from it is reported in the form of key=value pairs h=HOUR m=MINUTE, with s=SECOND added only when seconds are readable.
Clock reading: h=12 m=1
